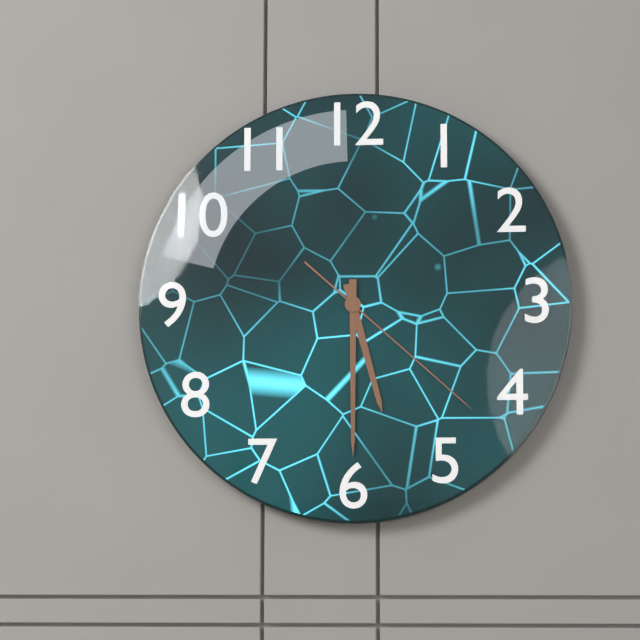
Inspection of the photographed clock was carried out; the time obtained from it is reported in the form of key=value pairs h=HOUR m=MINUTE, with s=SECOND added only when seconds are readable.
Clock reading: h=5 m=30 s=22
